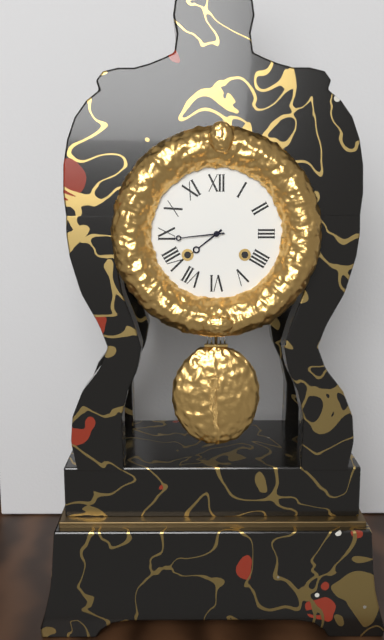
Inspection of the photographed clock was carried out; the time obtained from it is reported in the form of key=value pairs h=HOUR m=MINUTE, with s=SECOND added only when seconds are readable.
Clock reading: h=7 m=44
